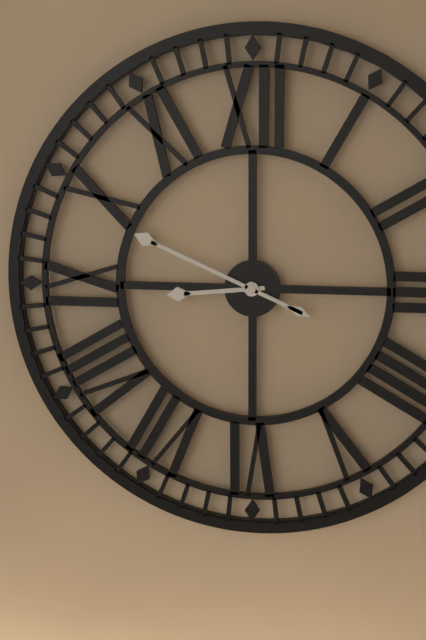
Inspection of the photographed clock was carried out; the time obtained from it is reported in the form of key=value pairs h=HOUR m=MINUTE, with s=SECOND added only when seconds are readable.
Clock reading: h=8 m=49
